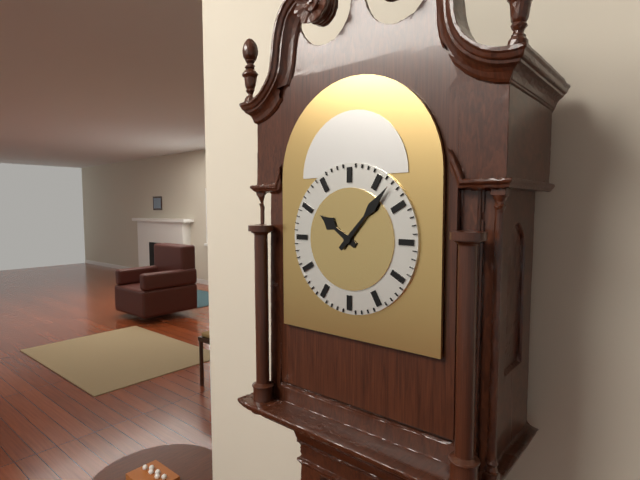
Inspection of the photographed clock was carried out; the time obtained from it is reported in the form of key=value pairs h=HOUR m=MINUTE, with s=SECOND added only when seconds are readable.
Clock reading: h=10 m=7
